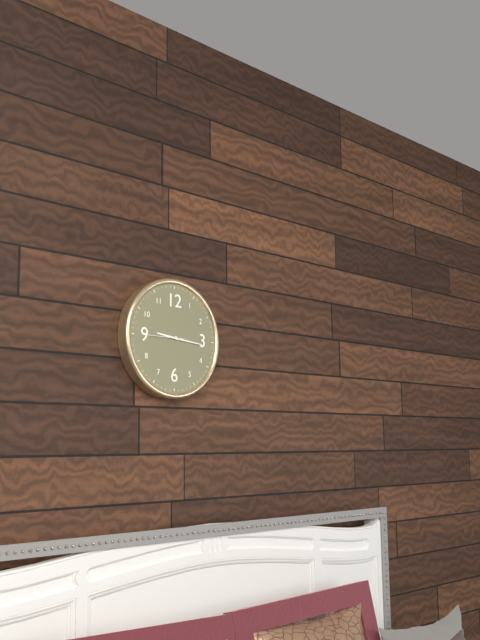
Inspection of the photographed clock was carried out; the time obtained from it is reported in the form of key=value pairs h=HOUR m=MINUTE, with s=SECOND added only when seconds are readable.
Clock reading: h=9 m=16
